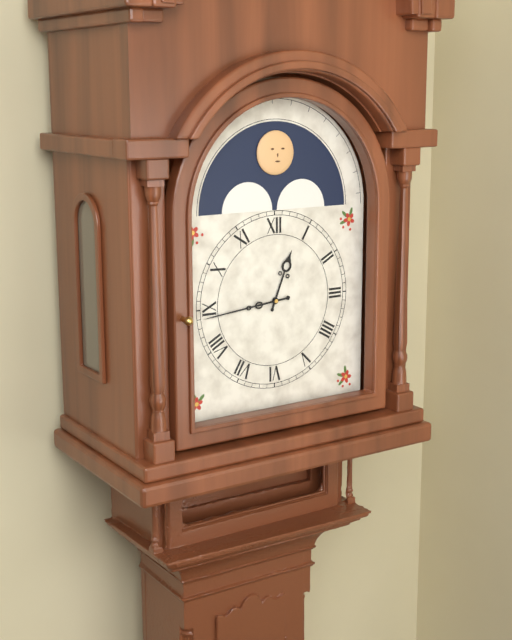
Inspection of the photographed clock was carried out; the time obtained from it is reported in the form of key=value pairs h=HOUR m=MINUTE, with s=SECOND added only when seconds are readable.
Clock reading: h=12 m=44
